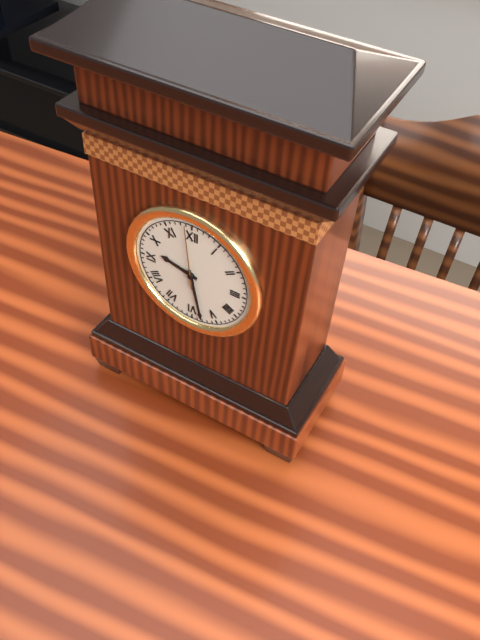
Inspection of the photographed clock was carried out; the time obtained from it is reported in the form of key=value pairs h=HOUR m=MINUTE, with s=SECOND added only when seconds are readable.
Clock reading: h=9 m=28 s=59
